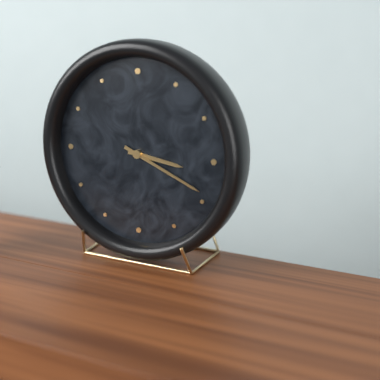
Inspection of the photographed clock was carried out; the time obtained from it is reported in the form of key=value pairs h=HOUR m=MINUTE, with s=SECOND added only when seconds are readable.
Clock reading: h=3 m=19
